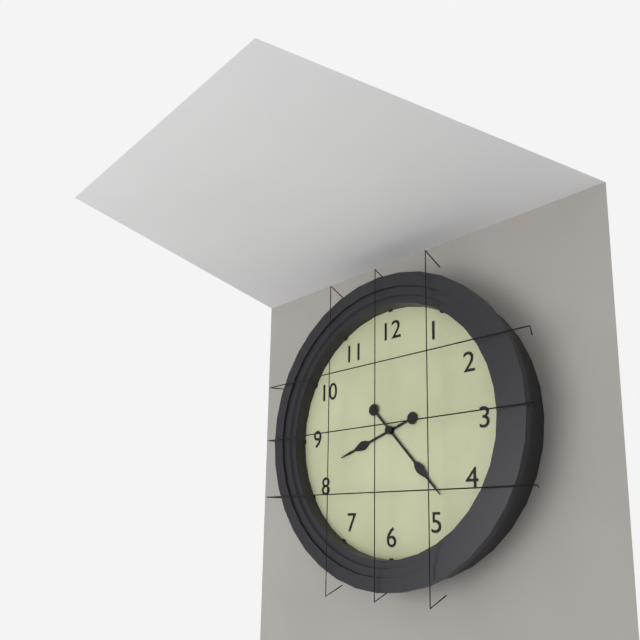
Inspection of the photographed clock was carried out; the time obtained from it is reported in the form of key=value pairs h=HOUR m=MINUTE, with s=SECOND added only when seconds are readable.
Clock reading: h=8 m=23
